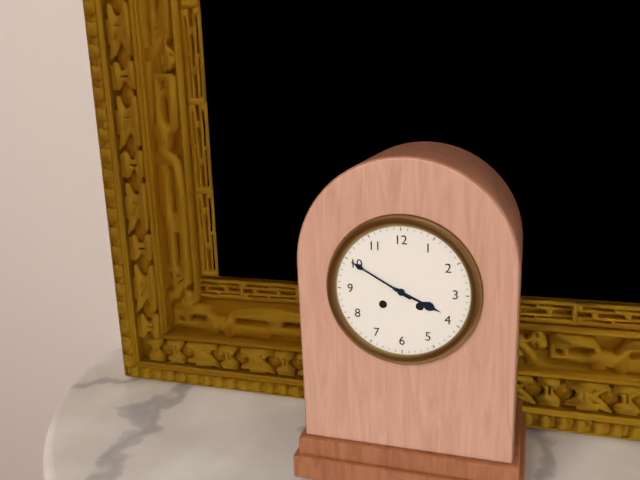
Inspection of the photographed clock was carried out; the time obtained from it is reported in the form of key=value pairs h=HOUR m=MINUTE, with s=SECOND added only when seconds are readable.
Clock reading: h=3 m=50
